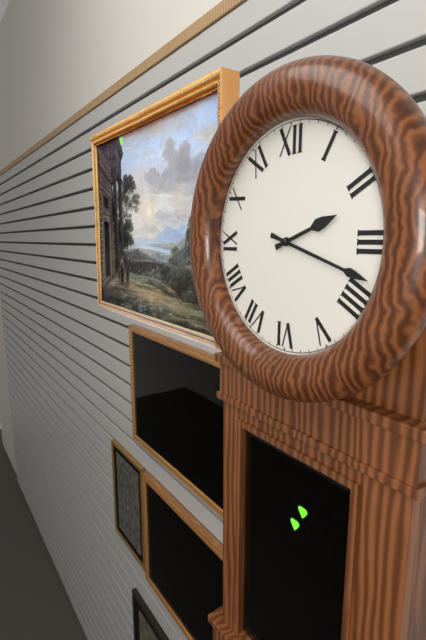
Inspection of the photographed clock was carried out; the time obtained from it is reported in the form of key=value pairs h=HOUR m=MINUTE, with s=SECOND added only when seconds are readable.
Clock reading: h=2 m=18
